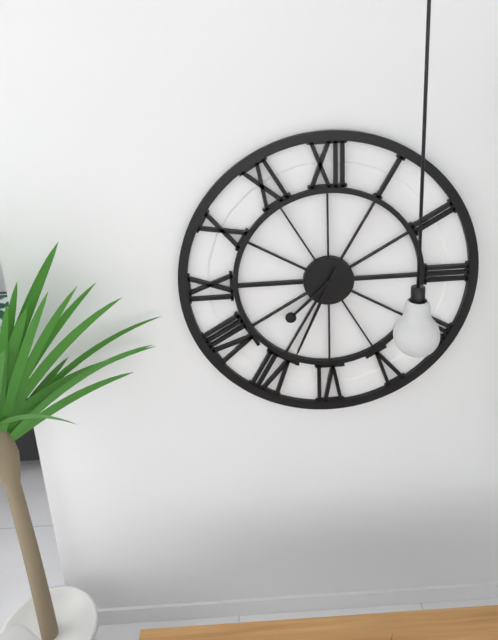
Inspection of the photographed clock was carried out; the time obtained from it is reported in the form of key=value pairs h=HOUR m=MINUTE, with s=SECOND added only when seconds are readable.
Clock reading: h=7 m=34
